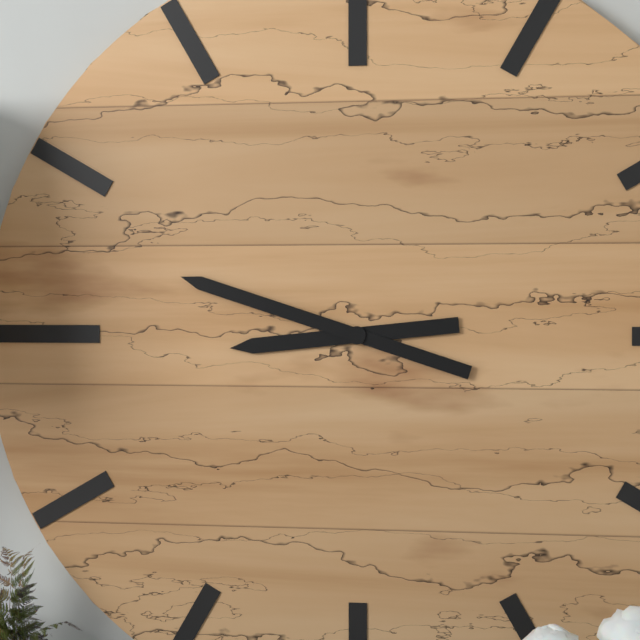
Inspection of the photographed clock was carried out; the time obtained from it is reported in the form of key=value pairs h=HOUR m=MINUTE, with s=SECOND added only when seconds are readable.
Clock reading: h=8 m=48
